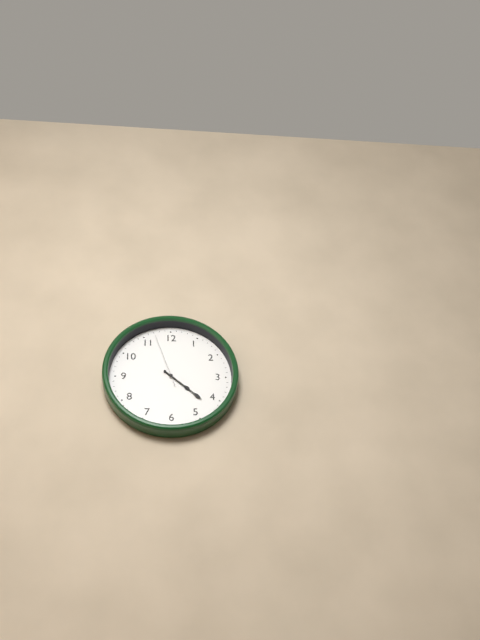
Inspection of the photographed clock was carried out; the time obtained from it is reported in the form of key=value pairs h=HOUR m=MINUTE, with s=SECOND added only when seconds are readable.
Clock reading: h=4 m=22 s=57
